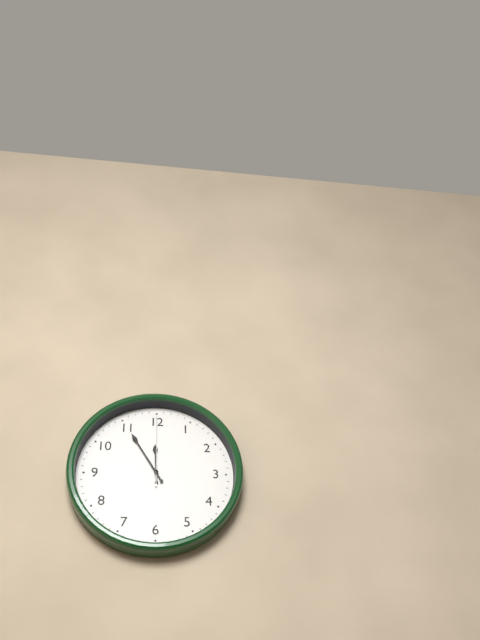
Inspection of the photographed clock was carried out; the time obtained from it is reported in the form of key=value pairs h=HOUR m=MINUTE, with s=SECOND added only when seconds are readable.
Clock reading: h=11 m=55 s=0
